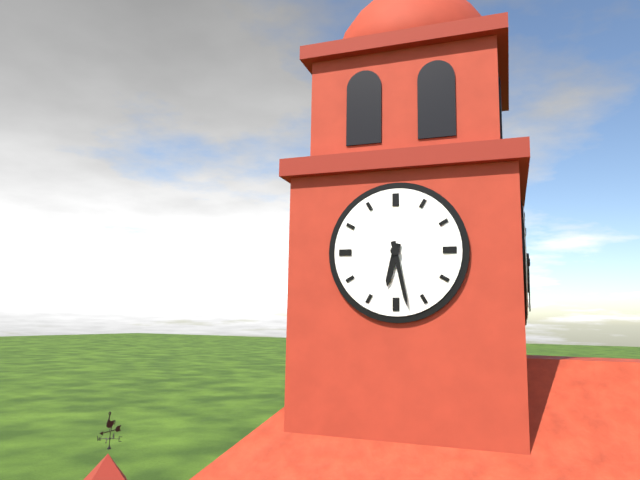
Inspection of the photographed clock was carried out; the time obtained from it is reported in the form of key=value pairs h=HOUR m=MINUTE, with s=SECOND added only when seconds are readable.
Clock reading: h=6 m=28
